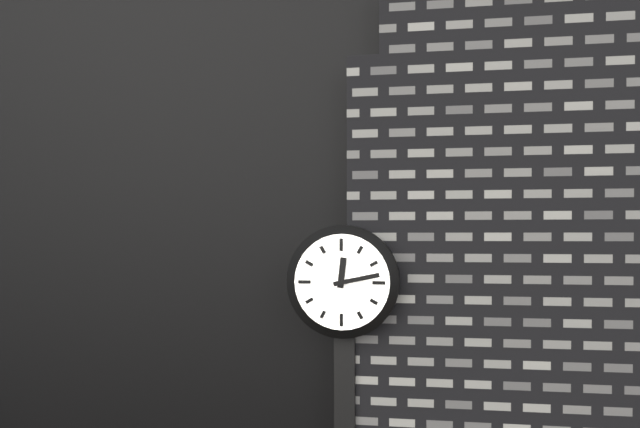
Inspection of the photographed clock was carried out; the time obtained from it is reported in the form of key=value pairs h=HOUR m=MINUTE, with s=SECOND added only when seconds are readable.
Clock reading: h=12 m=13
